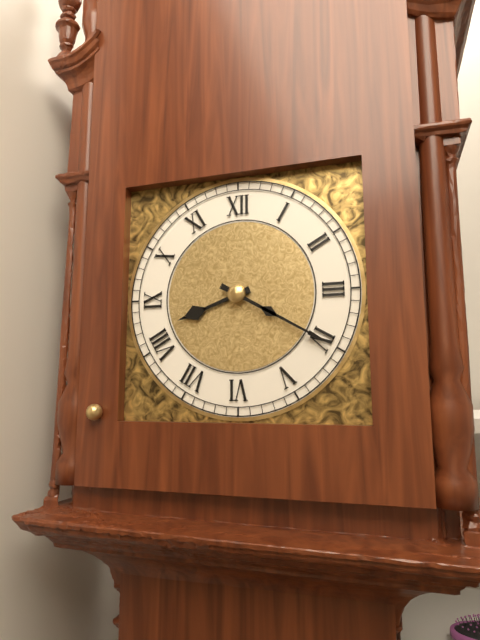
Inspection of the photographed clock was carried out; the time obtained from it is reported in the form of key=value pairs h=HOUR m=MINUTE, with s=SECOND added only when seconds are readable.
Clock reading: h=8 m=20
